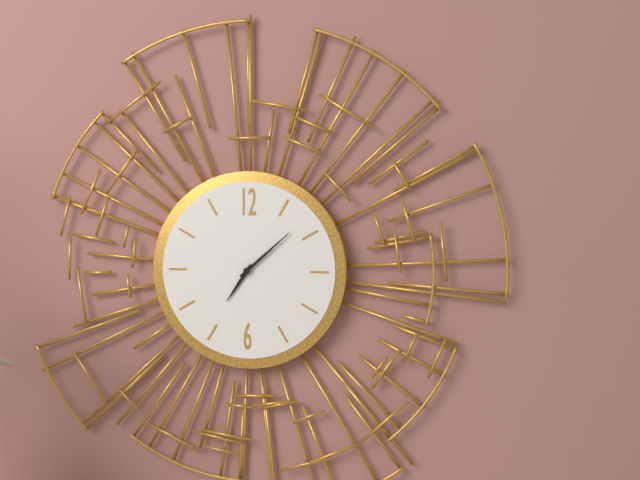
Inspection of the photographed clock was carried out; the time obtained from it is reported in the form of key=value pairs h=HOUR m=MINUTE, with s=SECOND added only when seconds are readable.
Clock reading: h=7 m=8
